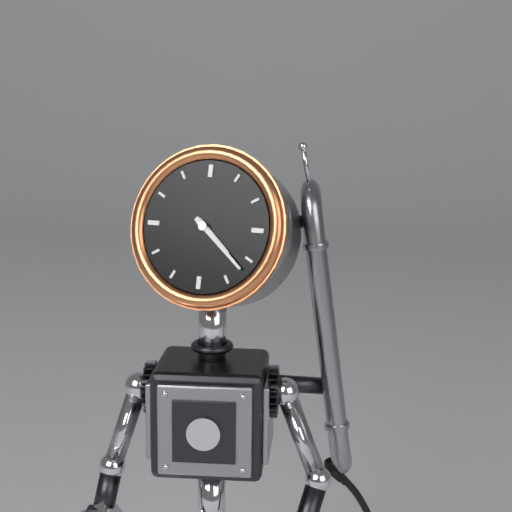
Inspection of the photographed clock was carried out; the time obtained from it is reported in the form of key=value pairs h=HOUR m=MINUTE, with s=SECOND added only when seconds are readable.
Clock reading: h=4 m=22
